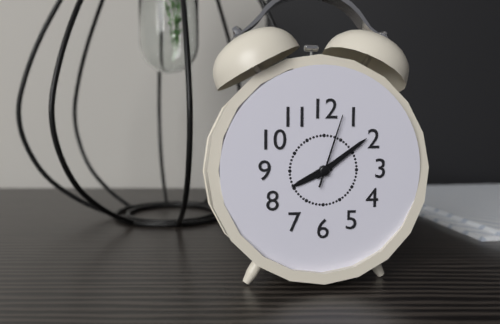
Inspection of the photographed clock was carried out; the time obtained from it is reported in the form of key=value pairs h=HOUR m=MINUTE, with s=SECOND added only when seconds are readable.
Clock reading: h=8 m=9 s=3
